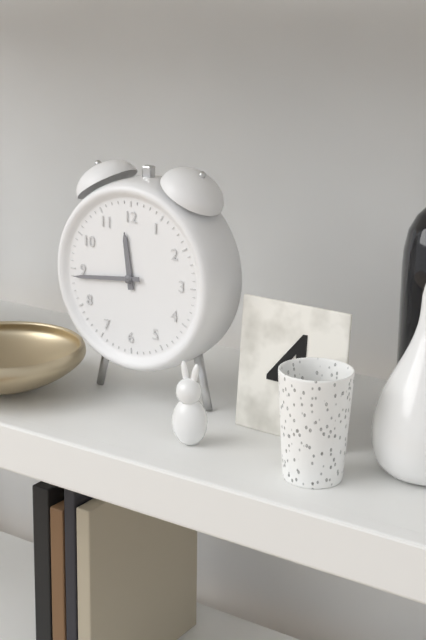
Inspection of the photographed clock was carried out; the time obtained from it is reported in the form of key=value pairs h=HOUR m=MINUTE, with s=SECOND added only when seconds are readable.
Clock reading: h=11 m=44
